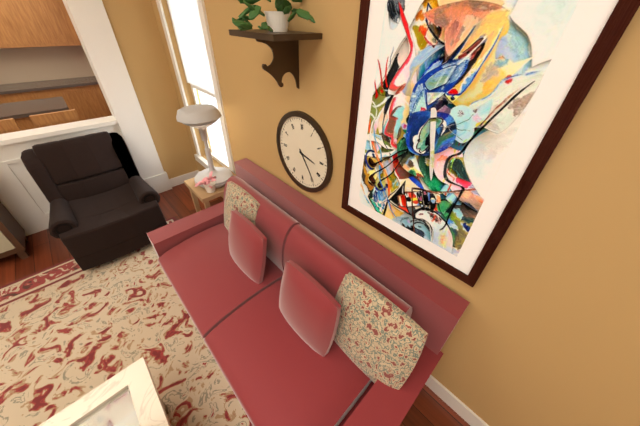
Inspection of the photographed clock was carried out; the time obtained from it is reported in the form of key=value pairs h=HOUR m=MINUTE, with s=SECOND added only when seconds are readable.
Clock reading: h=3 m=24
